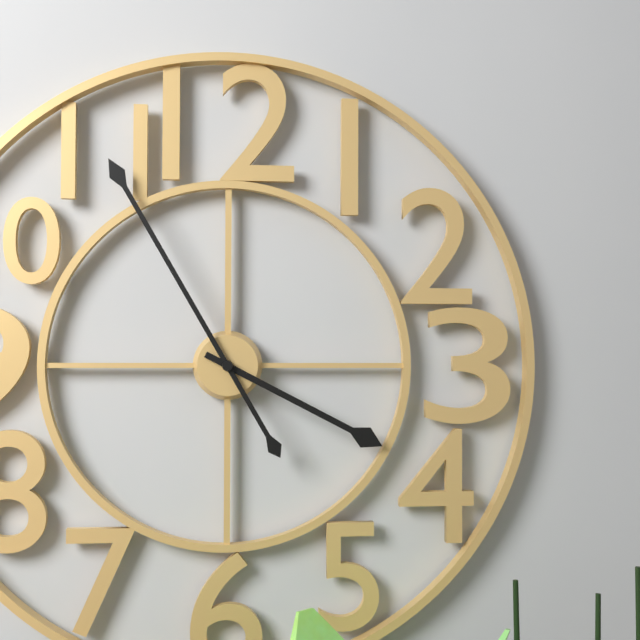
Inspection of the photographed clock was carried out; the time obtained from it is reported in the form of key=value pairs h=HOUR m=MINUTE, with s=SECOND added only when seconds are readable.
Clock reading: h=3 m=55
